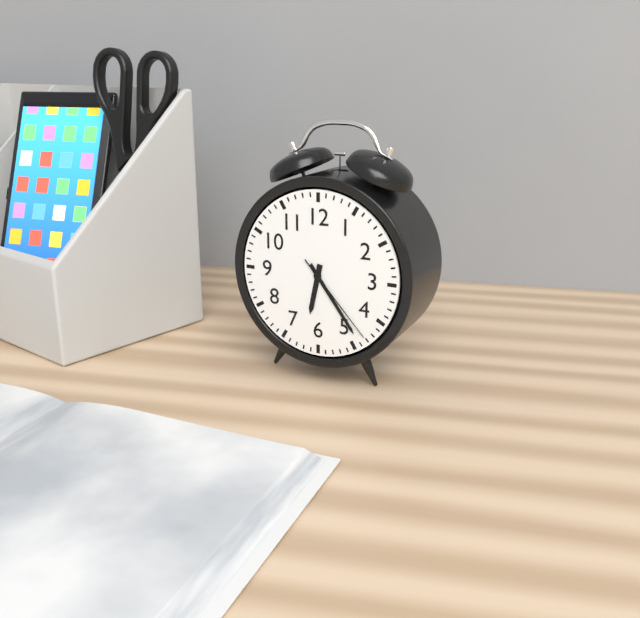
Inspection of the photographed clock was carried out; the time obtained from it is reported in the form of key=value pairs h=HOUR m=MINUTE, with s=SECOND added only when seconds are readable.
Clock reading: h=6 m=24 s=23
